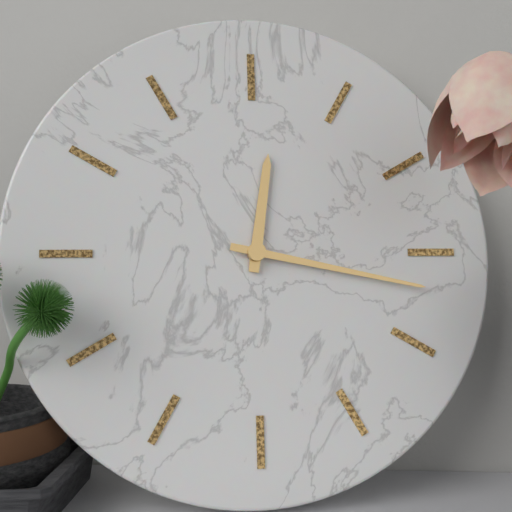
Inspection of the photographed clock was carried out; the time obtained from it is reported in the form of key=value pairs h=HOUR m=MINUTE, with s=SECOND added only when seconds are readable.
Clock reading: h=12 m=17
